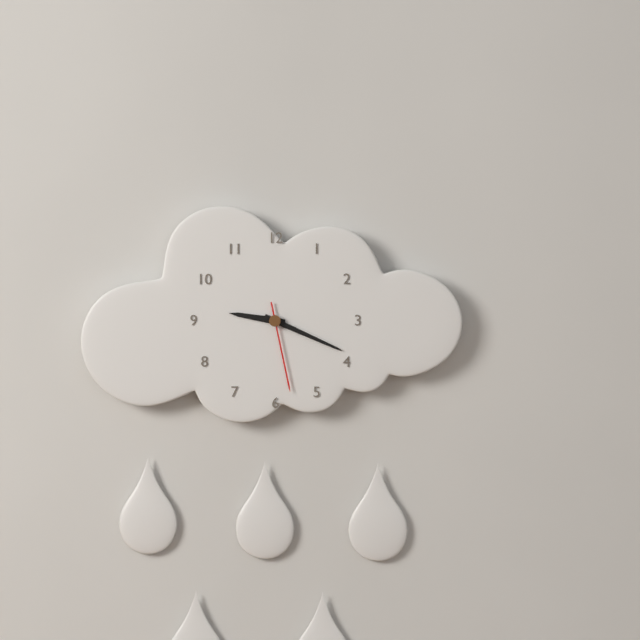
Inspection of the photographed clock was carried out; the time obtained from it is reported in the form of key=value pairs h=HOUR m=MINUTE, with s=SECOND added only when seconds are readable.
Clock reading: h=9 m=19 s=28
